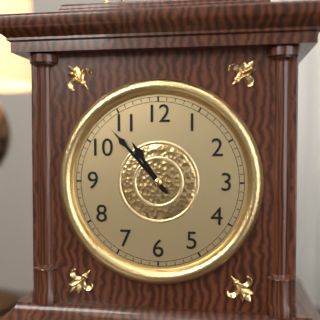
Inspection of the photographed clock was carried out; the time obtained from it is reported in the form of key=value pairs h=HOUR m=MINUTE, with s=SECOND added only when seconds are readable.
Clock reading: h=10 m=53
